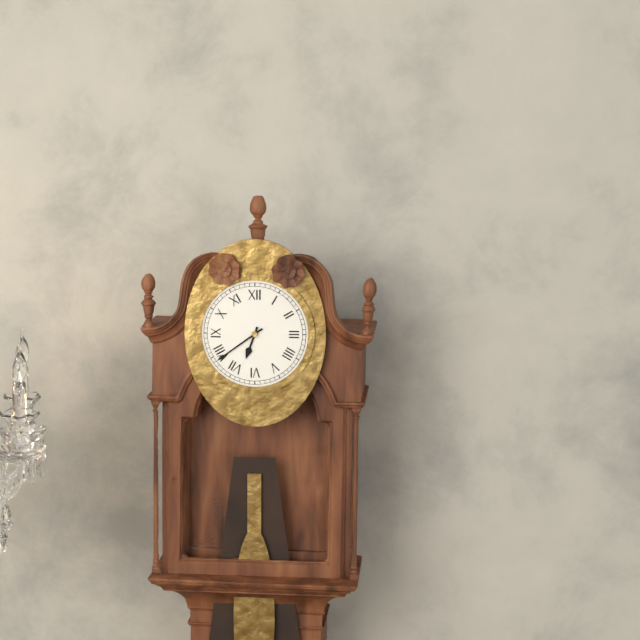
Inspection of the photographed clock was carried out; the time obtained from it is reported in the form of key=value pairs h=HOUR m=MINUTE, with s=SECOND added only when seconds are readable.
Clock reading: h=6 m=39
